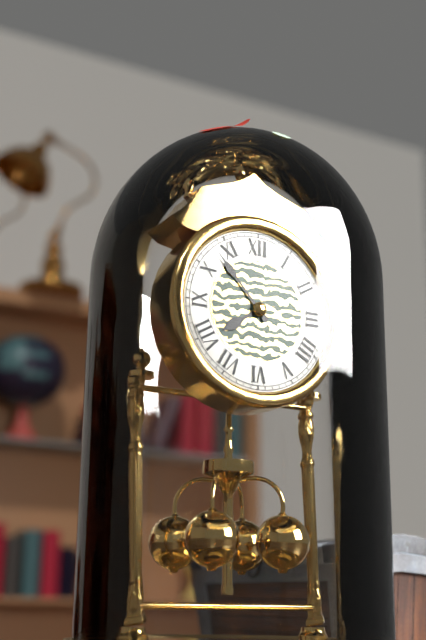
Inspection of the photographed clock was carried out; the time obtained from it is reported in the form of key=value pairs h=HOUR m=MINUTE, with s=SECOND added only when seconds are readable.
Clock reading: h=7 m=53
